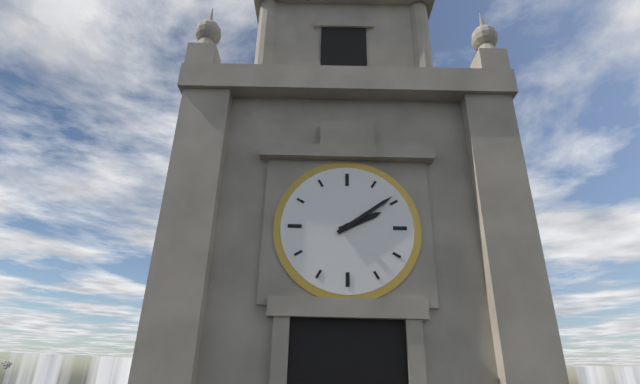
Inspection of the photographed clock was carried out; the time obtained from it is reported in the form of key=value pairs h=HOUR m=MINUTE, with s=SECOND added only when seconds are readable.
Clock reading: h=2 m=9
